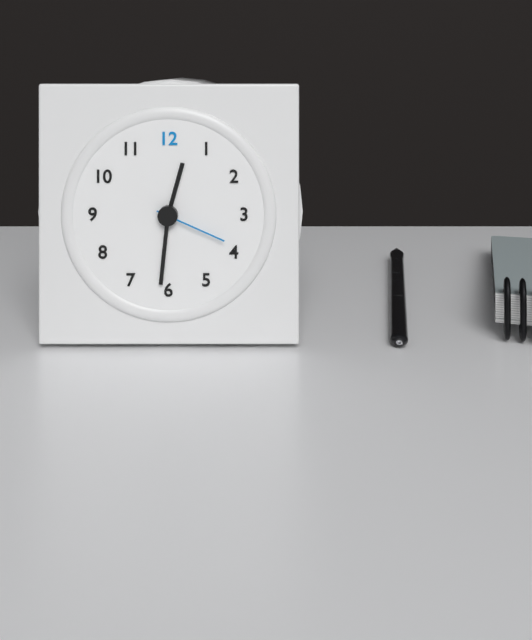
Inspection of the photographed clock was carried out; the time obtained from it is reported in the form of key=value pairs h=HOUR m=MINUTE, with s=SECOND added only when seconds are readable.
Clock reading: h=12 m=31 s=19
